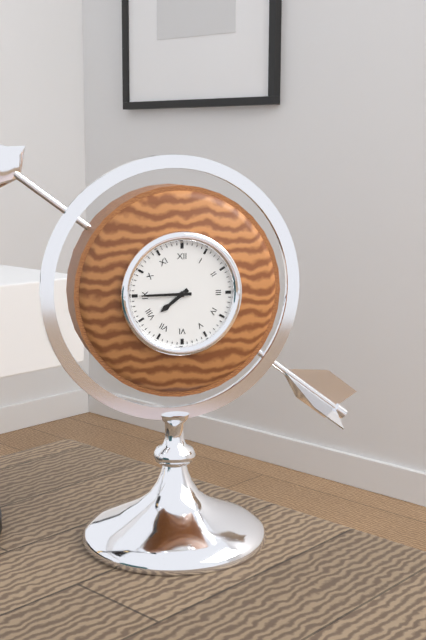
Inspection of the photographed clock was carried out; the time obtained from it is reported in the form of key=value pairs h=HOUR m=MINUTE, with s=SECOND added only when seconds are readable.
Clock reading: h=7 m=45
